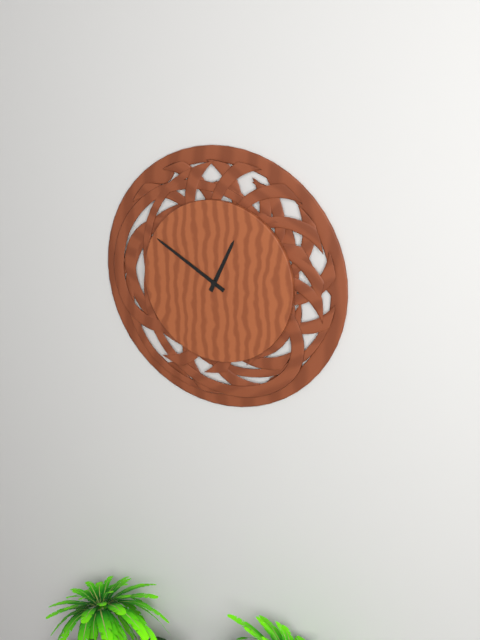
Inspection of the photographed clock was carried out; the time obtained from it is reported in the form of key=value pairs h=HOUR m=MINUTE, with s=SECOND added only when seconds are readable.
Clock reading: h=12 m=50
